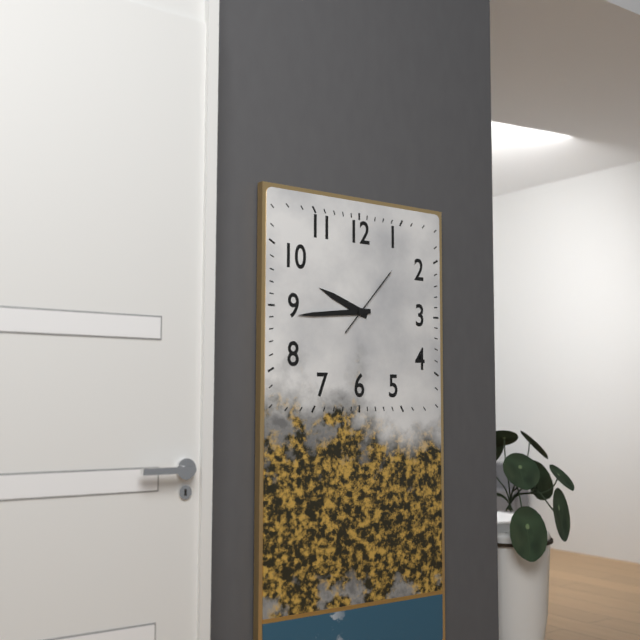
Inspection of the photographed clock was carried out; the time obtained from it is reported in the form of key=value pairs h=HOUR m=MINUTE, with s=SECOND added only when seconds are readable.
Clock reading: h=9 m=44 s=7
